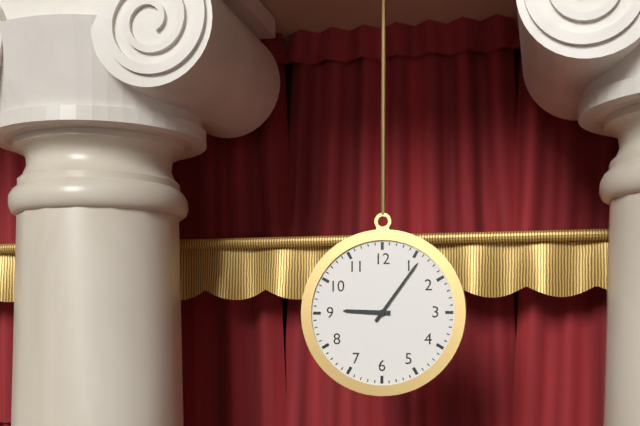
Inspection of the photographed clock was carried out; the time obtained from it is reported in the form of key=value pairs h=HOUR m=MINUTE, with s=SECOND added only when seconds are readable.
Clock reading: h=9 m=6
